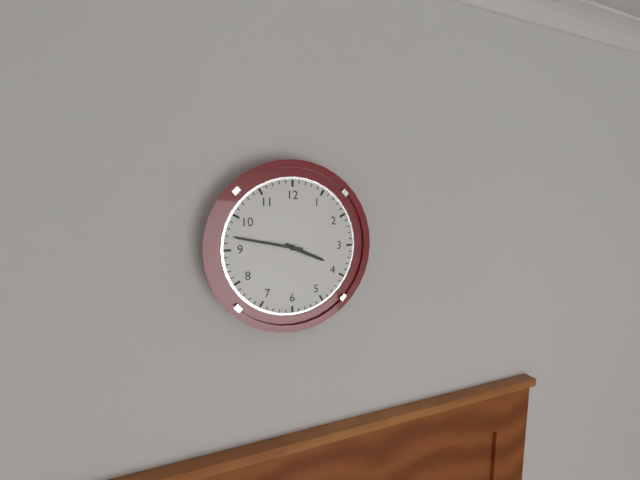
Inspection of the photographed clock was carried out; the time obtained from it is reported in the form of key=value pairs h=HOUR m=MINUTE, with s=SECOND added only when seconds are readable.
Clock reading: h=3 m=47
